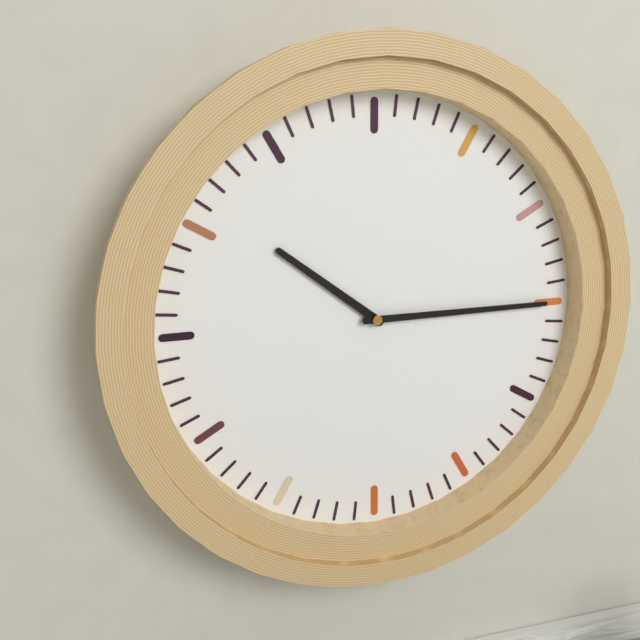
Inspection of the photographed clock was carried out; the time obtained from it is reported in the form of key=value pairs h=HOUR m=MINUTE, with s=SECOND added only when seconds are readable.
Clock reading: h=10 m=15
